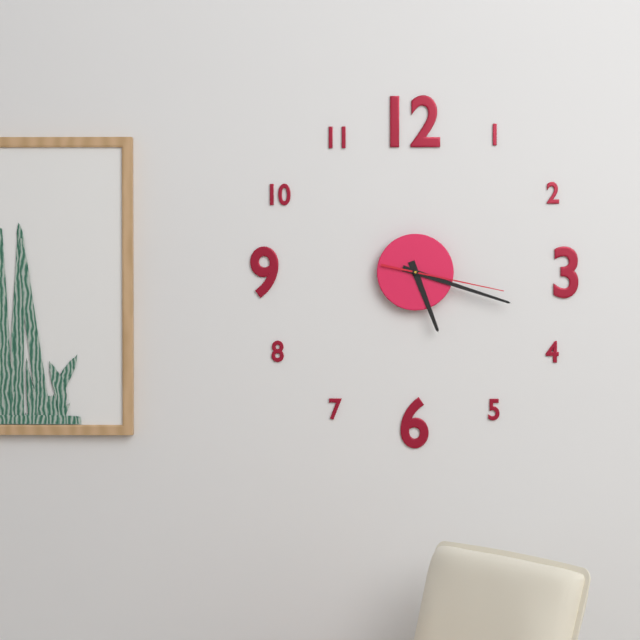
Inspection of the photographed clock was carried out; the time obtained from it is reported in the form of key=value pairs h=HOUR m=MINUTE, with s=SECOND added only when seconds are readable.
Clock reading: h=5 m=18 s=17
